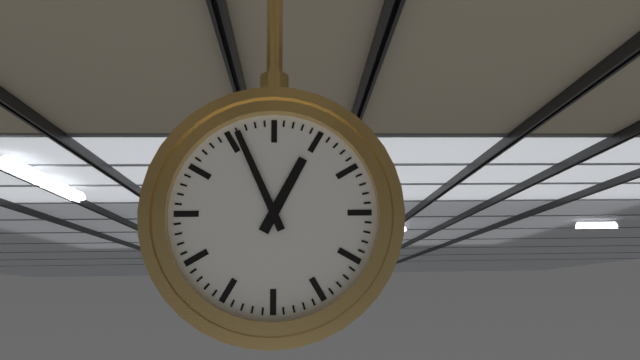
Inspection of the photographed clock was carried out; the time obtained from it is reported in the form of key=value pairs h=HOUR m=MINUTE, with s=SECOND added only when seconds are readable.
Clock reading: h=12 m=56
